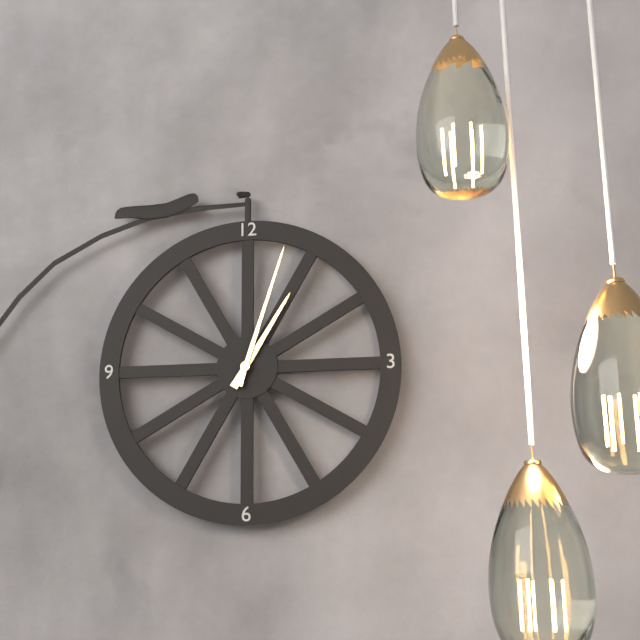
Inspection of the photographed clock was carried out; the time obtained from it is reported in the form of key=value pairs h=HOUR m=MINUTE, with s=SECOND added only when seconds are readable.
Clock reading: h=1 m=3
